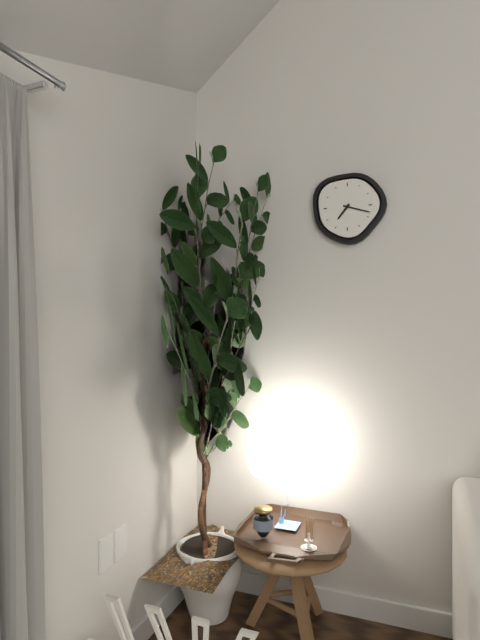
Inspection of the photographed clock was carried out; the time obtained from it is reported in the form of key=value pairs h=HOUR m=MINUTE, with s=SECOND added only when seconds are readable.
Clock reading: h=7 m=18
